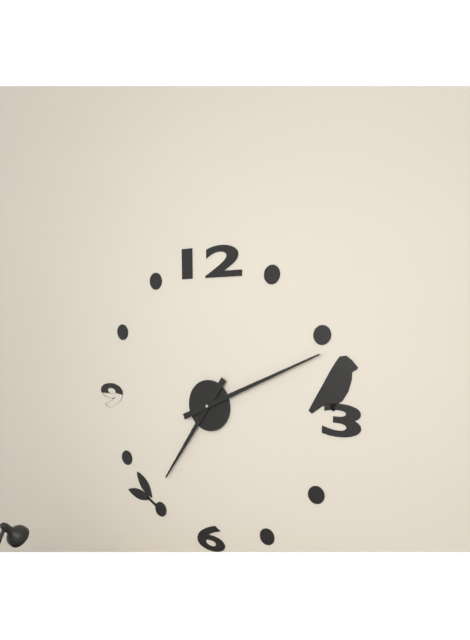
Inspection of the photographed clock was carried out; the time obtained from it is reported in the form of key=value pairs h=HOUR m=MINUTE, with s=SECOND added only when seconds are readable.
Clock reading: h=7 m=11
